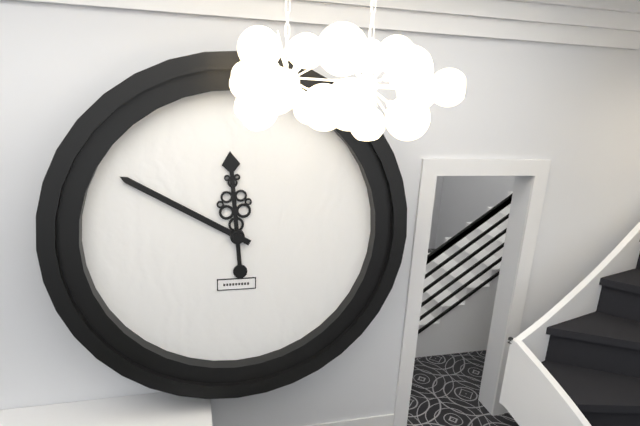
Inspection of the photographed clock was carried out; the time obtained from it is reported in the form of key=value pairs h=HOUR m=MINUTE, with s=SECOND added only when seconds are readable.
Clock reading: h=11 m=50
